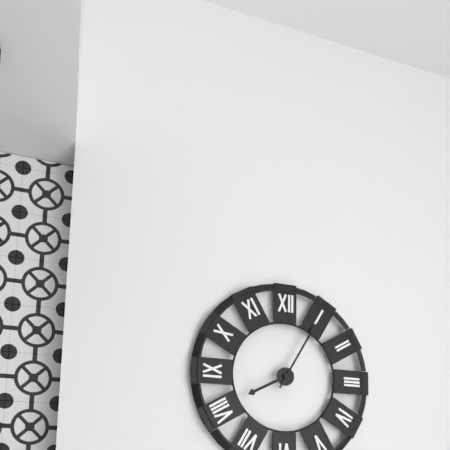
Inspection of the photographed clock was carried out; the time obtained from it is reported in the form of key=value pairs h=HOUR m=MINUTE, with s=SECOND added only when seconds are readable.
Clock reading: h=8 m=5
